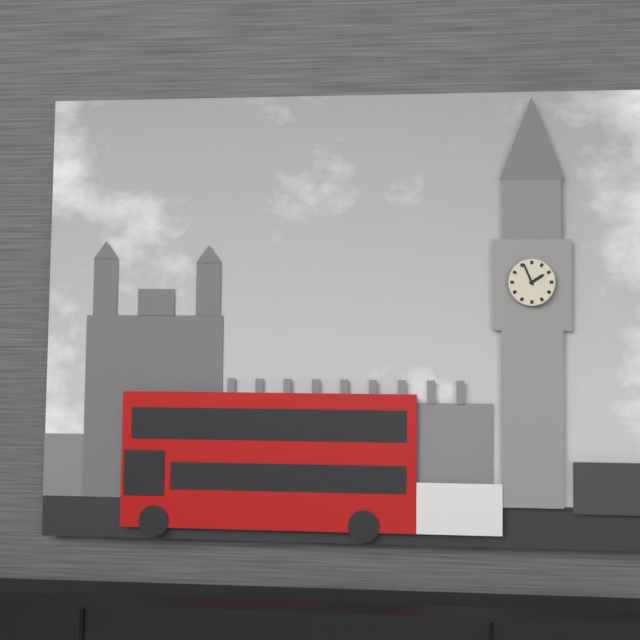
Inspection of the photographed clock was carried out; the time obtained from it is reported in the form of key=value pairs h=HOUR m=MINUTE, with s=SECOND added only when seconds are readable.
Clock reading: h=1 m=56
